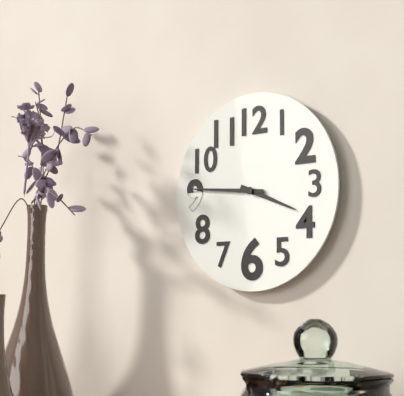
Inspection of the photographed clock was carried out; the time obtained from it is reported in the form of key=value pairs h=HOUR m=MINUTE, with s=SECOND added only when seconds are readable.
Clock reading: h=3 m=46
